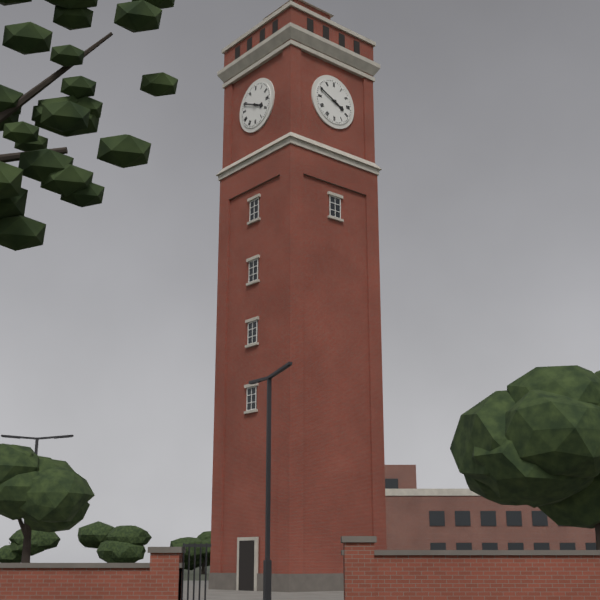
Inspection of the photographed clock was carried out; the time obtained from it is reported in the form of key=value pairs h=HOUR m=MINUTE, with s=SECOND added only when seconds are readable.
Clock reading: h=3 m=49
